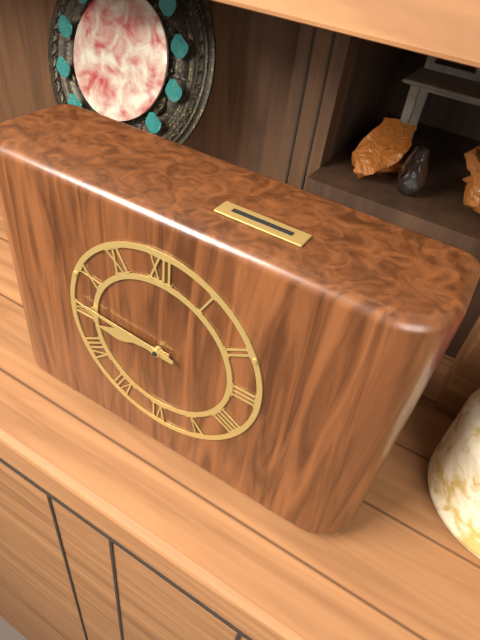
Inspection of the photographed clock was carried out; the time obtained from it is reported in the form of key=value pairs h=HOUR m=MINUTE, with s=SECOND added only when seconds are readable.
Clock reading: h=8 m=46
